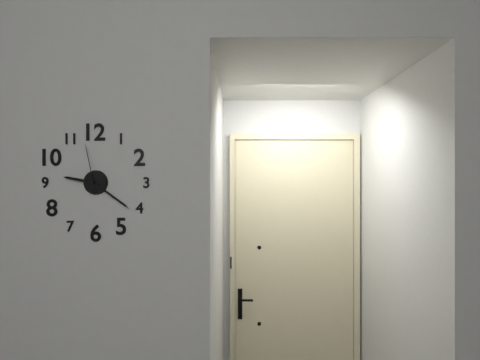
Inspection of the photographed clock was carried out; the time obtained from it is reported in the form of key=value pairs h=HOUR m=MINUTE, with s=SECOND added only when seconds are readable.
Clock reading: h=9 m=21
